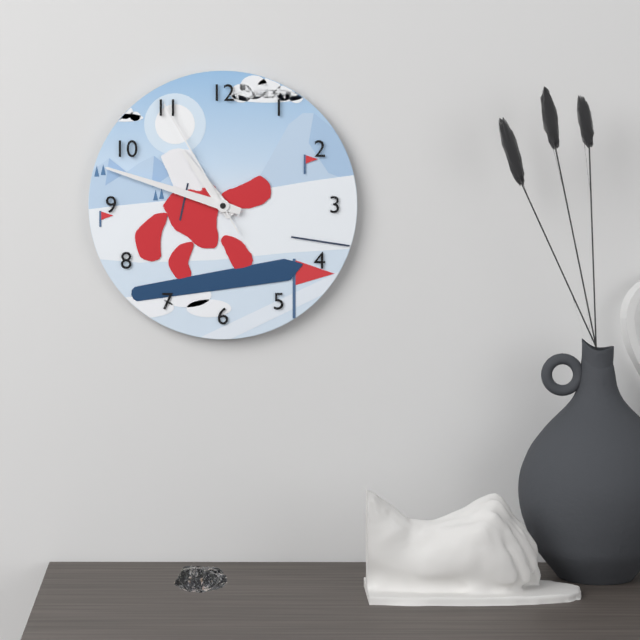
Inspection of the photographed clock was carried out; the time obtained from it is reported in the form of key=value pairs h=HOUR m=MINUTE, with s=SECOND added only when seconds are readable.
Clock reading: h=10 m=48 s=55
